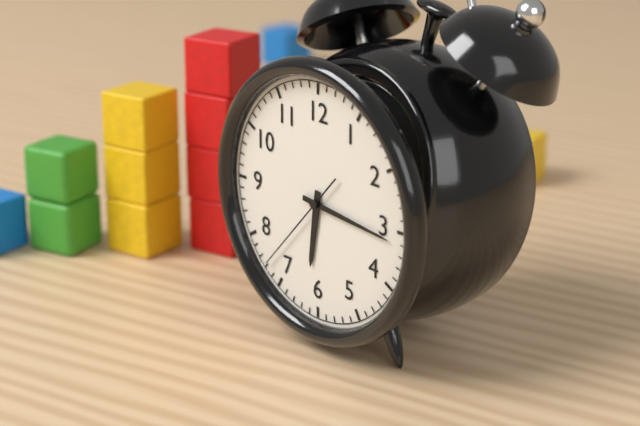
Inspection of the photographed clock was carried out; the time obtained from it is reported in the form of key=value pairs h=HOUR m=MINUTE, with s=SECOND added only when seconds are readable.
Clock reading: h=6 m=16 s=37
